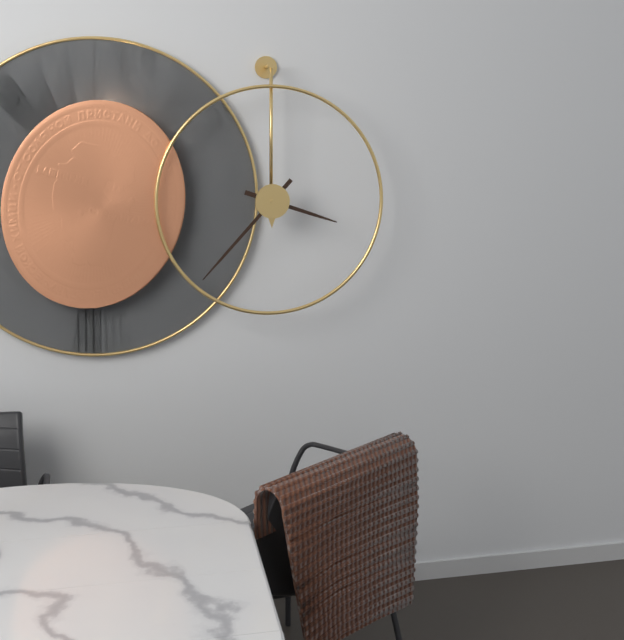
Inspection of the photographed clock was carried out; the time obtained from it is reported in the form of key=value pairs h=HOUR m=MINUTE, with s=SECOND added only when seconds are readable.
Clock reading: h=3 m=37
